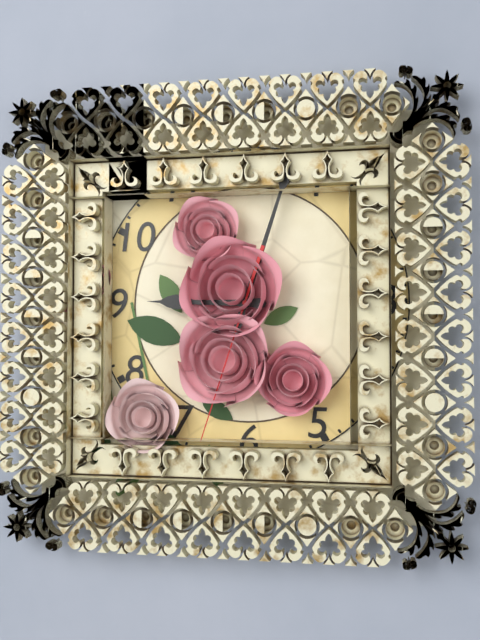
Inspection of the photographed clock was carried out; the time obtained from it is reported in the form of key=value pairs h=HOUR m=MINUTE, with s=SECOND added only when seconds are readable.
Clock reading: h=9 m=3 s=33
